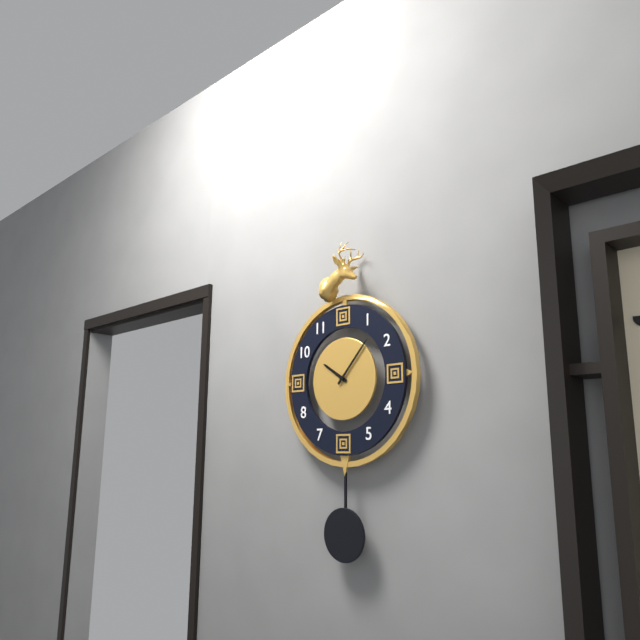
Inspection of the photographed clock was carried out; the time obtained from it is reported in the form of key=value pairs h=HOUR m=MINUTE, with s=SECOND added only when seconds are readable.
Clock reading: h=10 m=7
